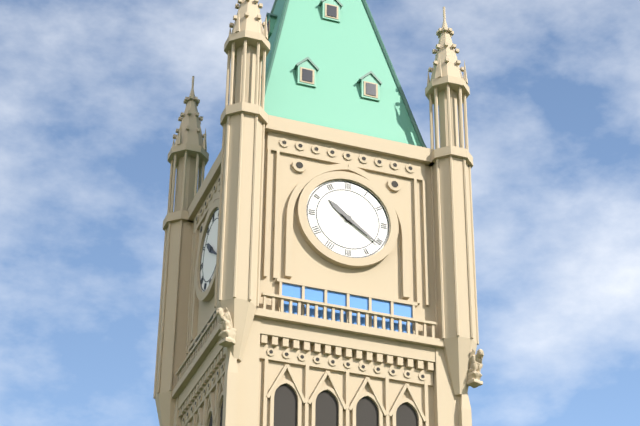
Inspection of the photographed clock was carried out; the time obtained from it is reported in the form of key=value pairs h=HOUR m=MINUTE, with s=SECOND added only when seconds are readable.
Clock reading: h=10 m=21
